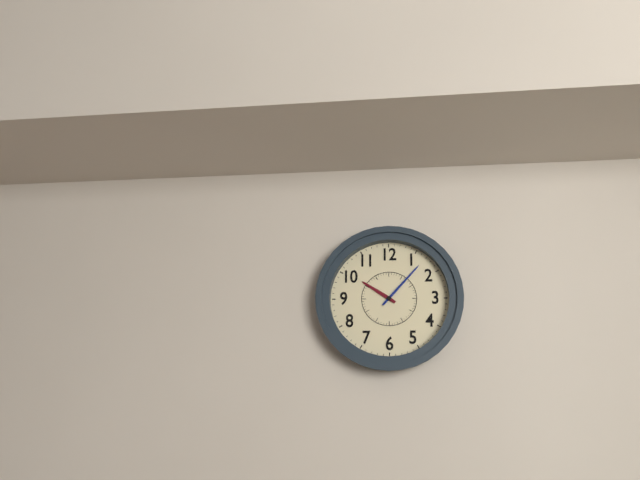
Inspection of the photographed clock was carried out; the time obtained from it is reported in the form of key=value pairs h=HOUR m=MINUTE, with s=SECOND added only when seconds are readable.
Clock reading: h=10 m=7
